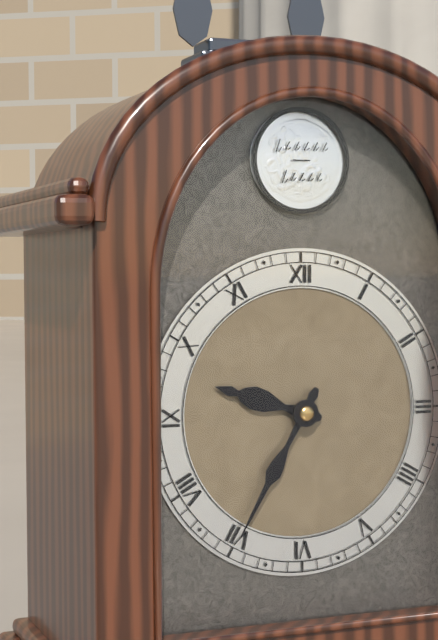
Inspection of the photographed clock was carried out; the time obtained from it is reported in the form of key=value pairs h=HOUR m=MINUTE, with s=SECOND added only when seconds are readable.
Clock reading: h=9 m=35
